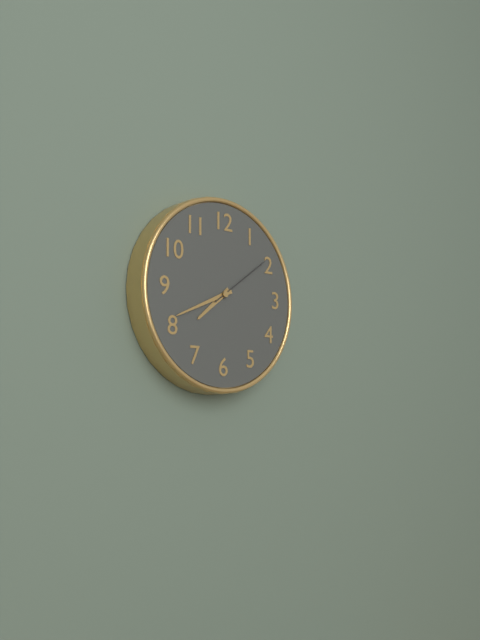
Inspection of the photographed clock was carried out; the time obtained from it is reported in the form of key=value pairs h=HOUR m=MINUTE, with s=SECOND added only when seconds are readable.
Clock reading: h=7 m=41 s=9
